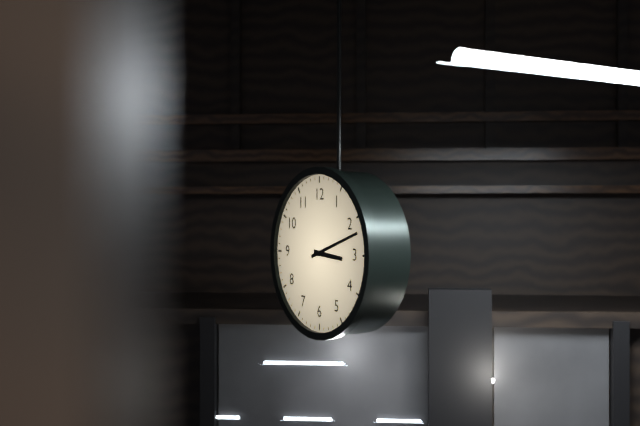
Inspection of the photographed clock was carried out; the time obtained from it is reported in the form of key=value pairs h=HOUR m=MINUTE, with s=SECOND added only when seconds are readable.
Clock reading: h=3 m=12
